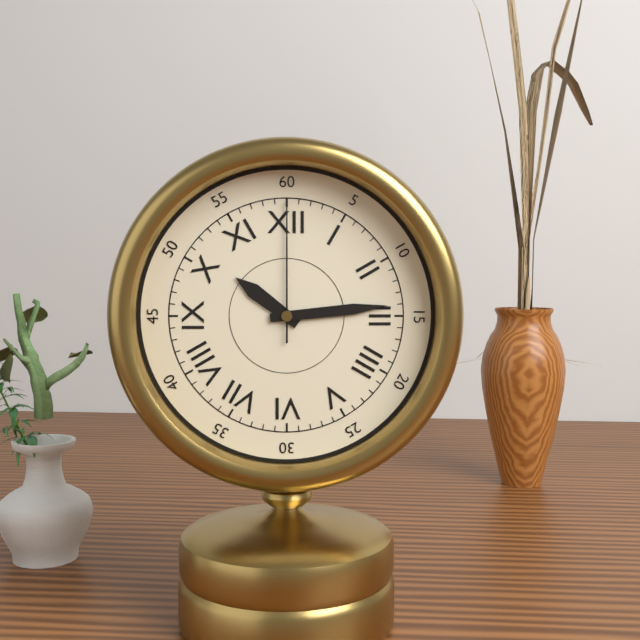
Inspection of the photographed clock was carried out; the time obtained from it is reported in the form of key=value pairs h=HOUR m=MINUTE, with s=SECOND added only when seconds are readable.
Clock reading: h=10 m=14 s=0
